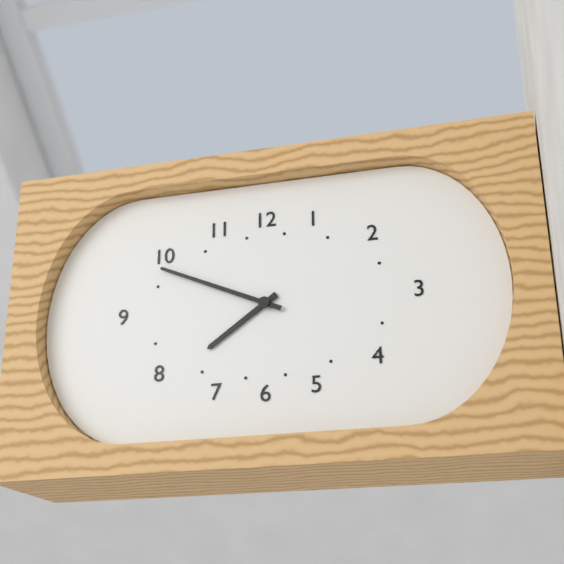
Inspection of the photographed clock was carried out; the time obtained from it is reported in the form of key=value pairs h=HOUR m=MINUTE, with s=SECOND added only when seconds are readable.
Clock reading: h=7 m=49
